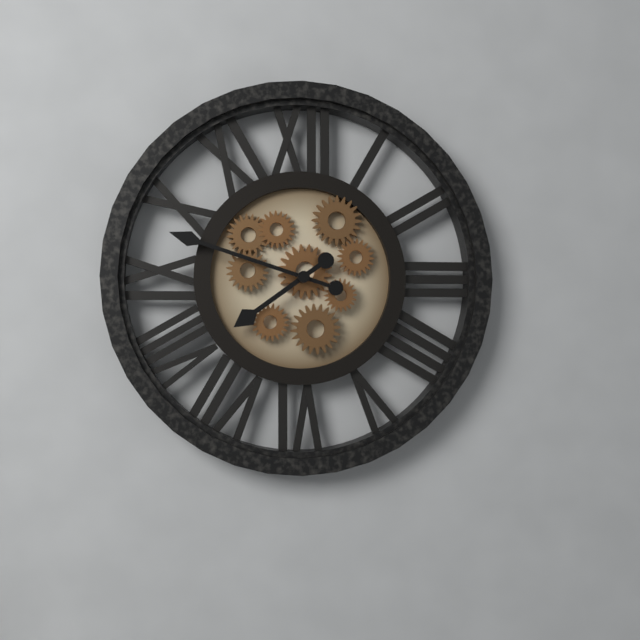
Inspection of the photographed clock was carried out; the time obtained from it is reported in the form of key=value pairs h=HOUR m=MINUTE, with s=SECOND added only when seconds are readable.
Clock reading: h=7 m=48
